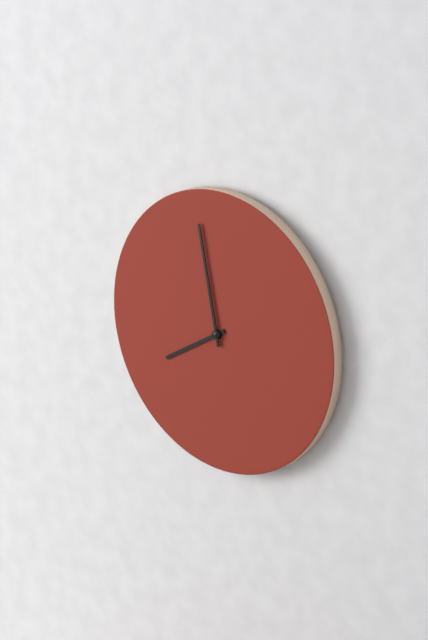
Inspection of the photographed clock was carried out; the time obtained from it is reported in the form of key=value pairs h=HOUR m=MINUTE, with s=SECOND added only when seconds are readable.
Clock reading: h=7 m=58
